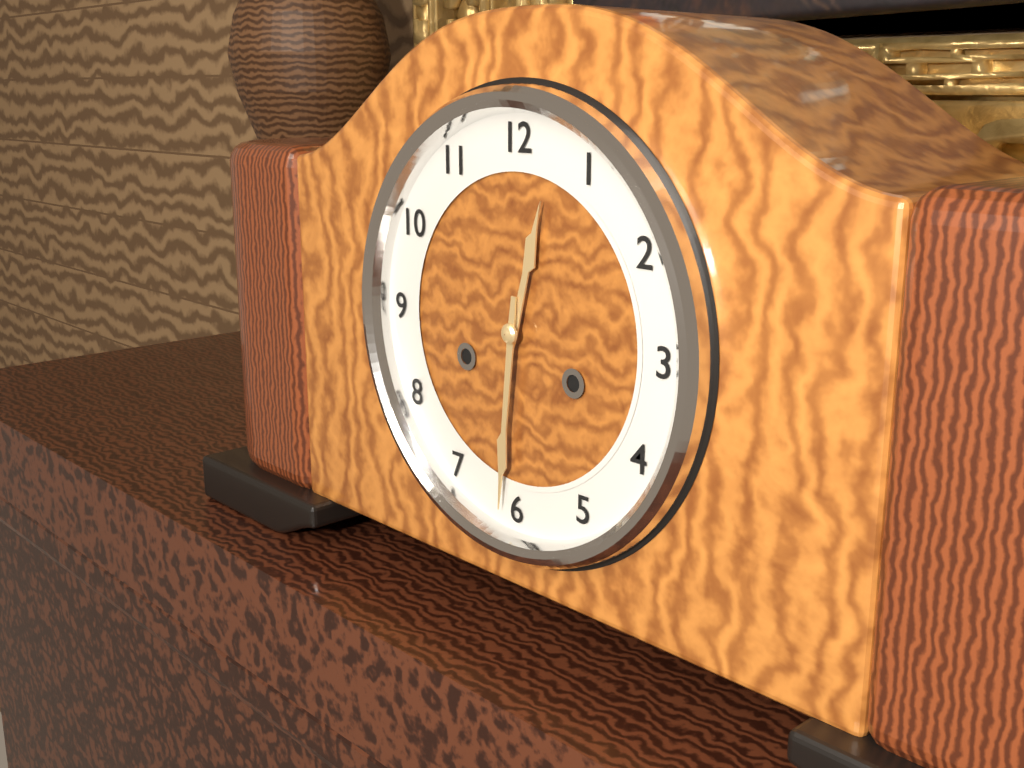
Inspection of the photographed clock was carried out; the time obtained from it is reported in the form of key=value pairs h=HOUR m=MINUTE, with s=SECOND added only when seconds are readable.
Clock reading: h=12 m=31
